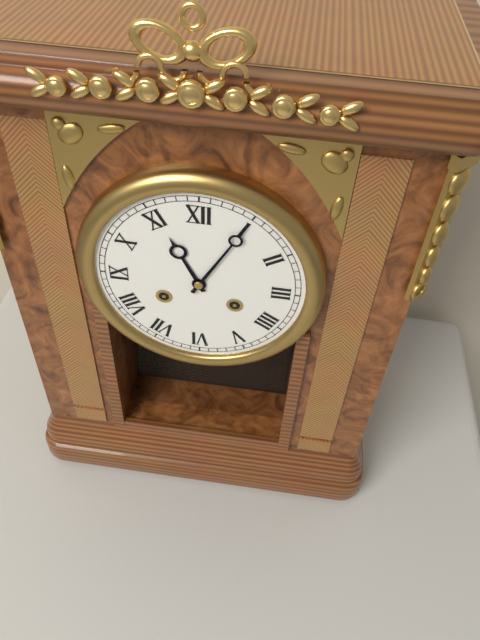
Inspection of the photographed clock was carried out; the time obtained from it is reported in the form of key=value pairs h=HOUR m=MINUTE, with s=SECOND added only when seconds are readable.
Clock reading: h=11 m=5
